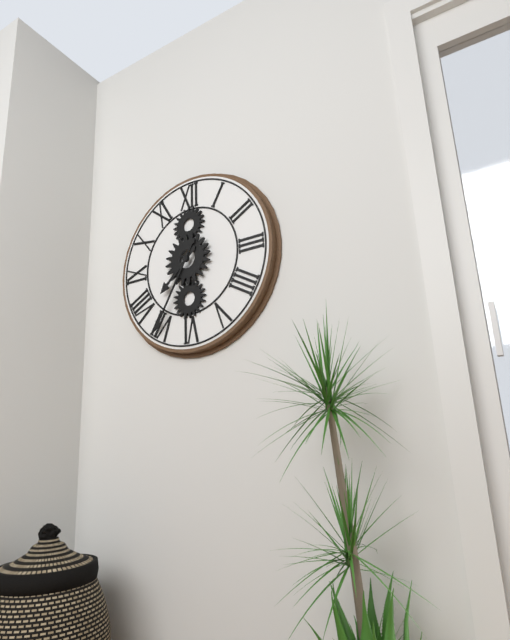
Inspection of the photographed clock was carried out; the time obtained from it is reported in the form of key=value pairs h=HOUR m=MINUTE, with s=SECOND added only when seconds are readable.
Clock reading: h=7 m=35
